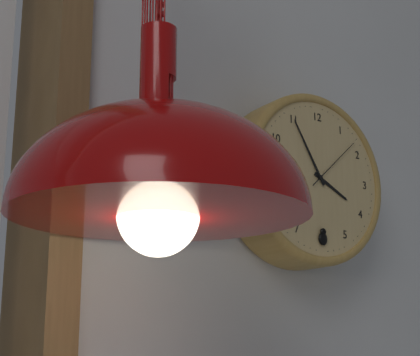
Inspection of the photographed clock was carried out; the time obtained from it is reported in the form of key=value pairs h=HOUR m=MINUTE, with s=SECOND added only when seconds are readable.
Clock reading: h=3 m=55 s=8
